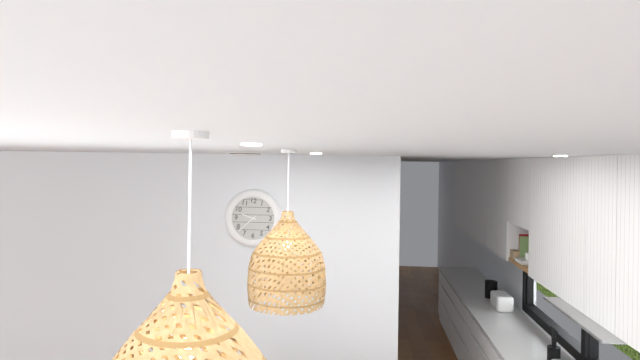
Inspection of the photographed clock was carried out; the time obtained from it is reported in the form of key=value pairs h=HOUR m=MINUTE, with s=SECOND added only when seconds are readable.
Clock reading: h=9 m=38
